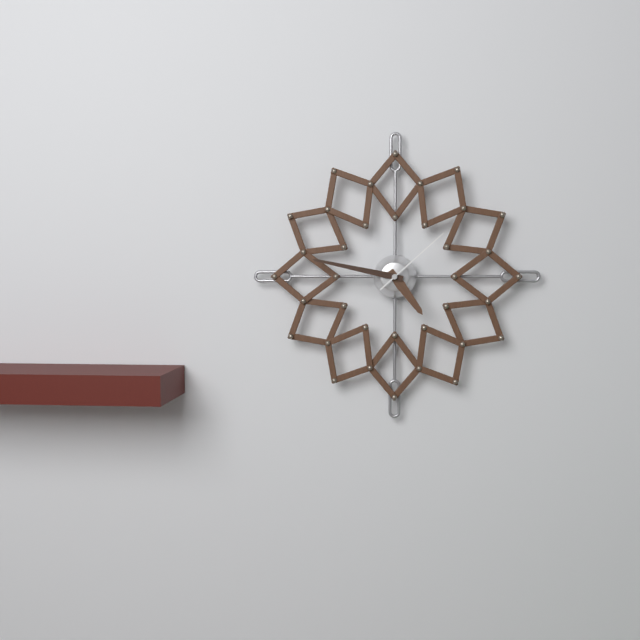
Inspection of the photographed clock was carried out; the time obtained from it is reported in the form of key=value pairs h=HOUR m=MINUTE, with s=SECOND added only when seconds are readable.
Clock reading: h=4 m=47 s=8
